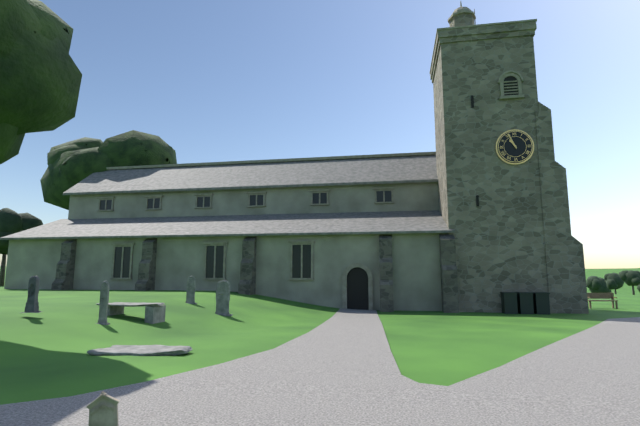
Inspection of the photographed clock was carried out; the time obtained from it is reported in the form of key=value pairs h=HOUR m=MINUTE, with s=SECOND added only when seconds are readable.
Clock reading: h=10 m=56
